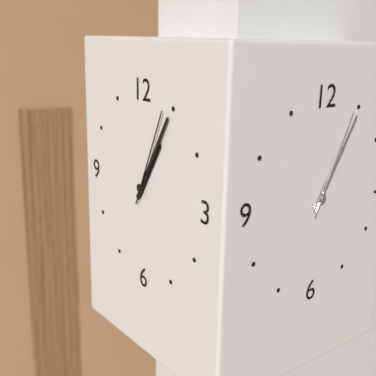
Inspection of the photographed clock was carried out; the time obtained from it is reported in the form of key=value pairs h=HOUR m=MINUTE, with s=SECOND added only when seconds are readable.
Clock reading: h=1 m=5 s=4
